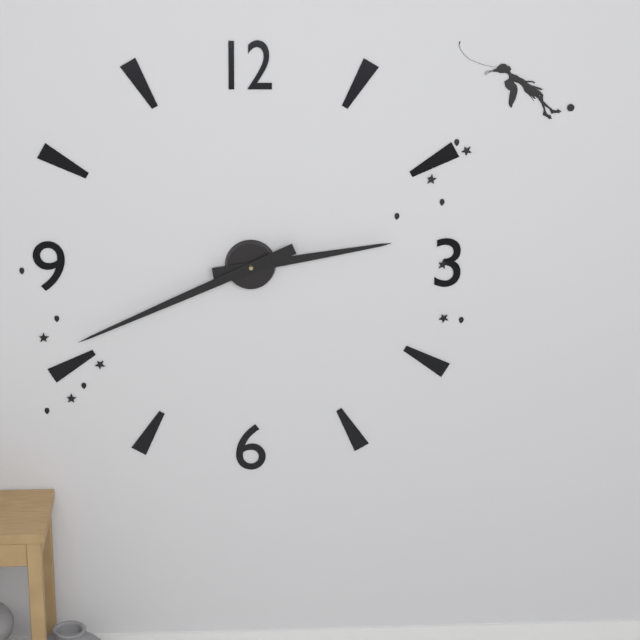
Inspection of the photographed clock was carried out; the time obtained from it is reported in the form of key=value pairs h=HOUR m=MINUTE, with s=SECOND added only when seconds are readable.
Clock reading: h=2 m=41
